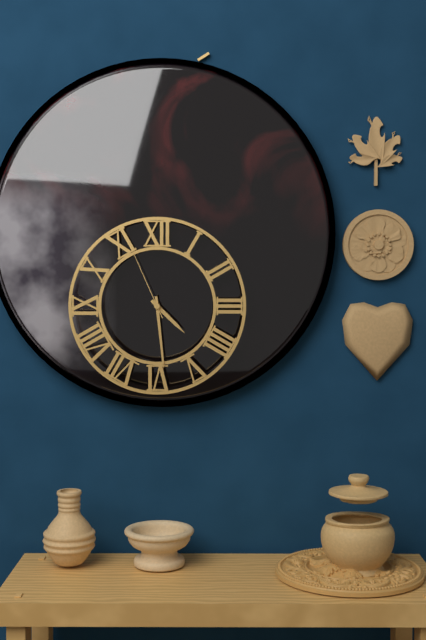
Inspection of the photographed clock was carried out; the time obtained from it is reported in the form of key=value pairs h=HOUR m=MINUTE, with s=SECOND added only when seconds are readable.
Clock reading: h=4 m=29 s=56
